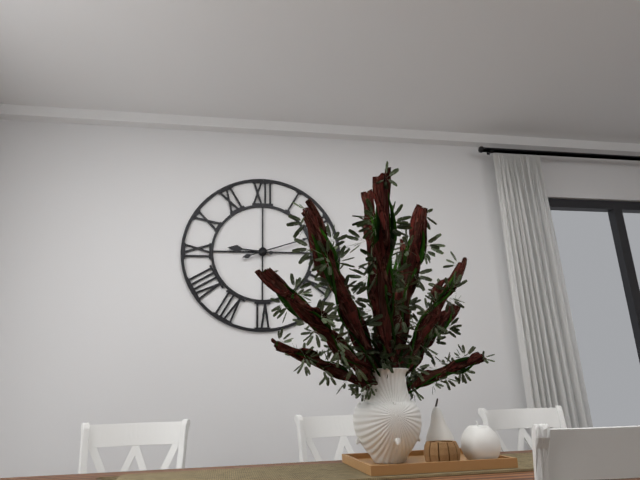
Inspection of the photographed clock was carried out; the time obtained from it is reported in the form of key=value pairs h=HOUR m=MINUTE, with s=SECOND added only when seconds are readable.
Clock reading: h=9 m=12
